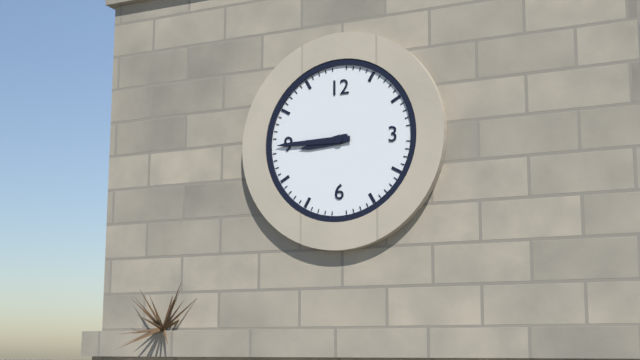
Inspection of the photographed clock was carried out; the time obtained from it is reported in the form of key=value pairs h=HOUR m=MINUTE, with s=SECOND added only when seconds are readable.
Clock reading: h=8 m=45
